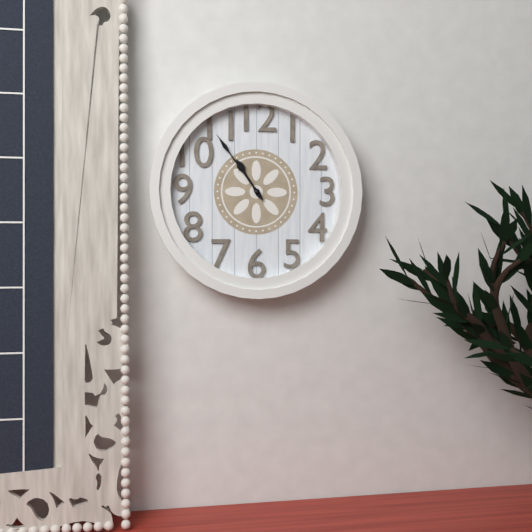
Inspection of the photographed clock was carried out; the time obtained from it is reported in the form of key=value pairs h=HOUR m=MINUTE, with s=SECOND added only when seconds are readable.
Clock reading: h=10 m=54
